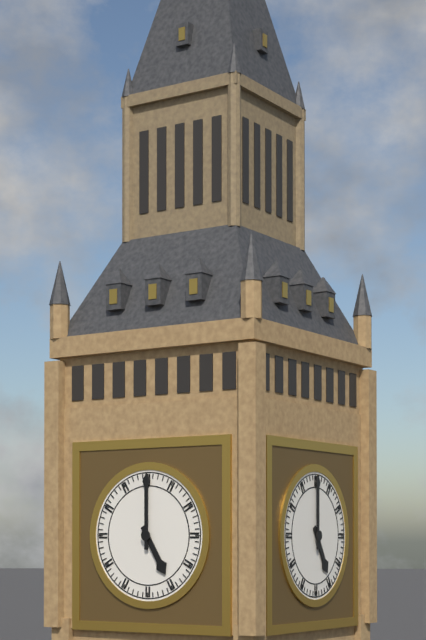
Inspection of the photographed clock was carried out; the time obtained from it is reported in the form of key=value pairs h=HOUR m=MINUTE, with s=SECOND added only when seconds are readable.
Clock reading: h=5 m=0
